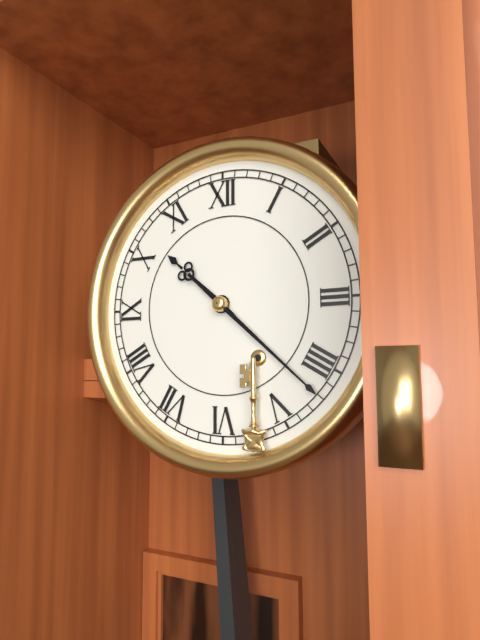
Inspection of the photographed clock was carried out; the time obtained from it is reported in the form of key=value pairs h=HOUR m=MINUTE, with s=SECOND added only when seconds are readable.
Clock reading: h=10 m=22
